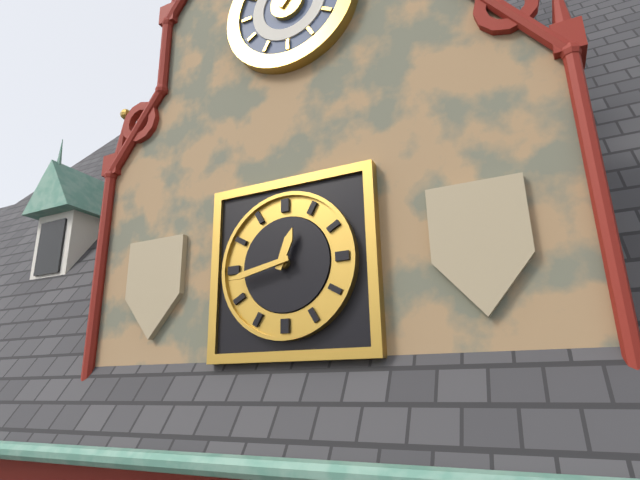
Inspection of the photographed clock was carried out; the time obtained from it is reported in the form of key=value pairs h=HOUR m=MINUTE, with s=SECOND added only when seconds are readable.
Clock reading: h=12 m=43
